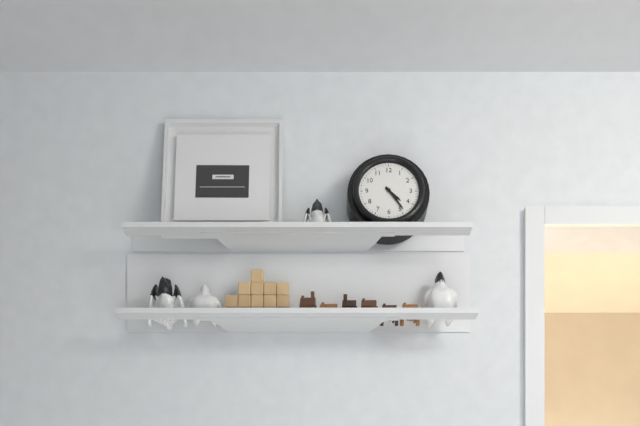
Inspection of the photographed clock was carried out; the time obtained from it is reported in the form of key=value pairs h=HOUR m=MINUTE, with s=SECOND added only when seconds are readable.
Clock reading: h=4 m=24
